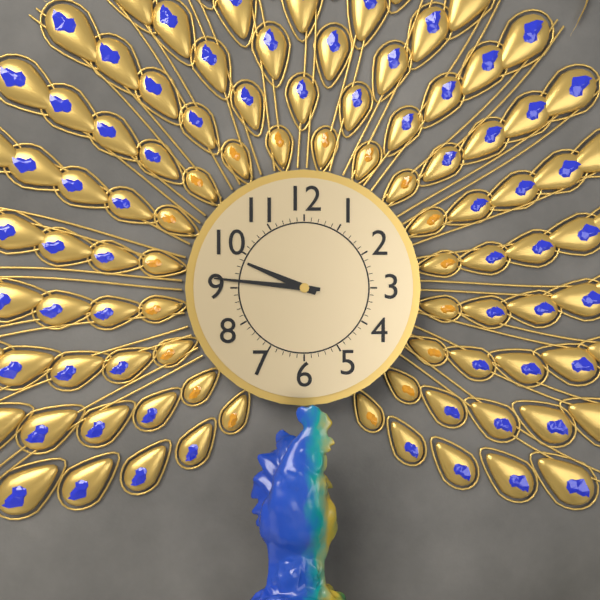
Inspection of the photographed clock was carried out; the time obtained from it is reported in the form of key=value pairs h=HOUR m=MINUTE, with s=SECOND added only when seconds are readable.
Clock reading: h=9 m=46
